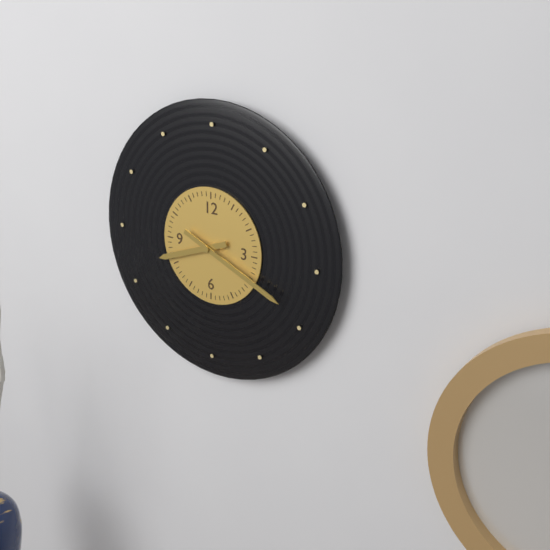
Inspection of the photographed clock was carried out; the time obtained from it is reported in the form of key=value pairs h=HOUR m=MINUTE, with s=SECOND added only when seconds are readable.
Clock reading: h=8 m=19
